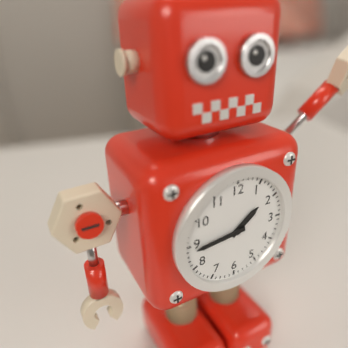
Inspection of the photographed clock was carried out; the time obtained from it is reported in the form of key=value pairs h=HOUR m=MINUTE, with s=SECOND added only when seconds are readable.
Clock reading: h=1 m=44
